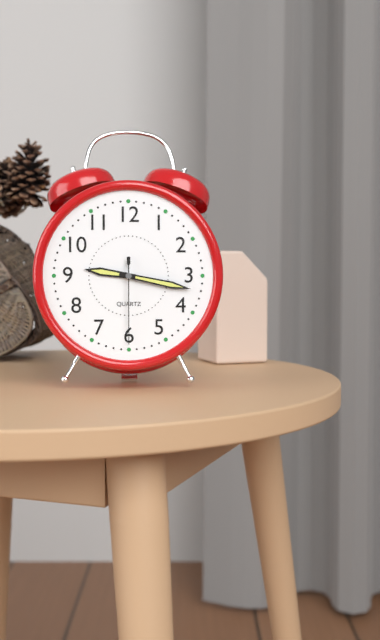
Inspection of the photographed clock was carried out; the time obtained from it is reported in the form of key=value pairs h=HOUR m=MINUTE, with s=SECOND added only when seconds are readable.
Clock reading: h=9 m=17 s=30
